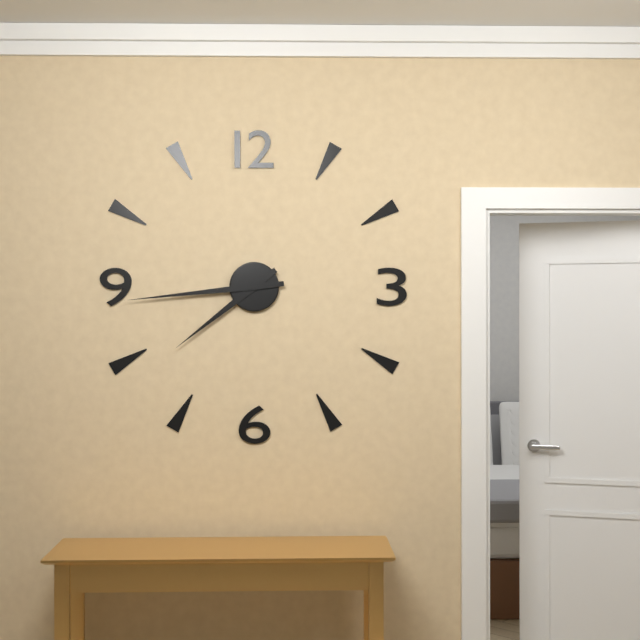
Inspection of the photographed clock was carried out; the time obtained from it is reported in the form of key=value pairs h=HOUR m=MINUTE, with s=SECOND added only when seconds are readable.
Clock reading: h=7 m=44
